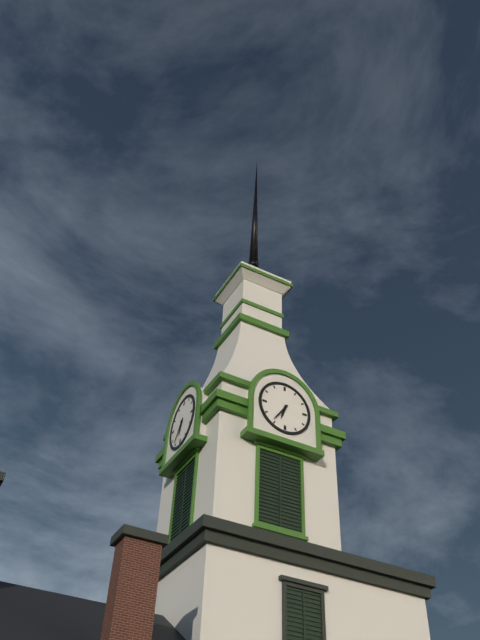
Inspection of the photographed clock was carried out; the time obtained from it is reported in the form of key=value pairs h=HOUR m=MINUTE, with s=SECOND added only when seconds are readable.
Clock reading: h=6 m=36
